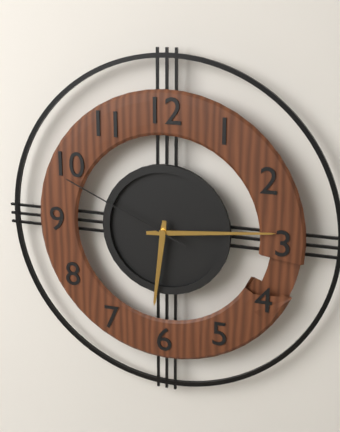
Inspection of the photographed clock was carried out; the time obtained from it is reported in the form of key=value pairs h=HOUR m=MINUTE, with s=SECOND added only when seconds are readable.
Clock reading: h=6 m=14 s=49
